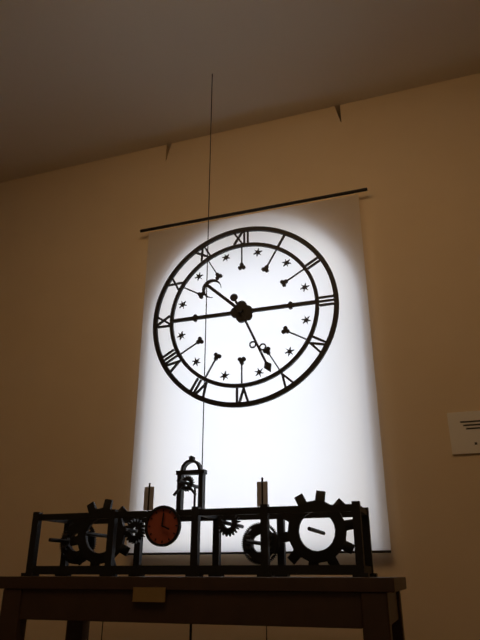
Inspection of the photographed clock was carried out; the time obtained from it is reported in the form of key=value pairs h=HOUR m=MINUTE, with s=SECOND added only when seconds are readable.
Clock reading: h=10 m=26
